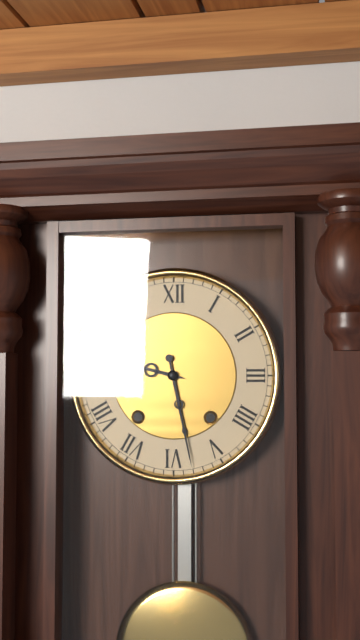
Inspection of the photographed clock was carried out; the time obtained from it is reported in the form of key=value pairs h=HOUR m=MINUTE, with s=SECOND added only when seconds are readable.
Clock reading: h=9 m=28
